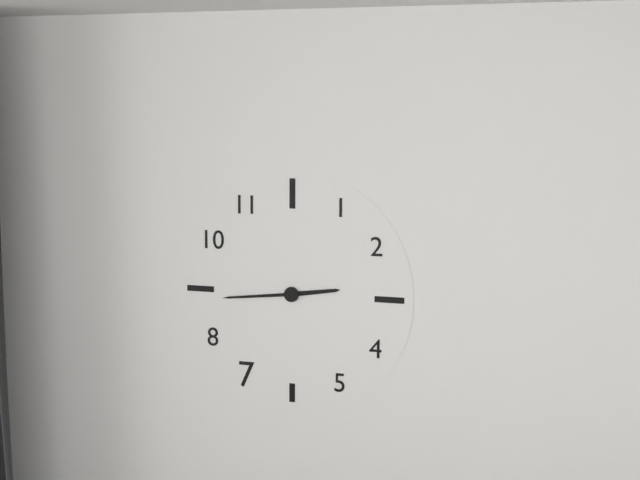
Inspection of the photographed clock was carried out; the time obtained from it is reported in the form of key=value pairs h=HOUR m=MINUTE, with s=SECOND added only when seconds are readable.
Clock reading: h=2 m=44
